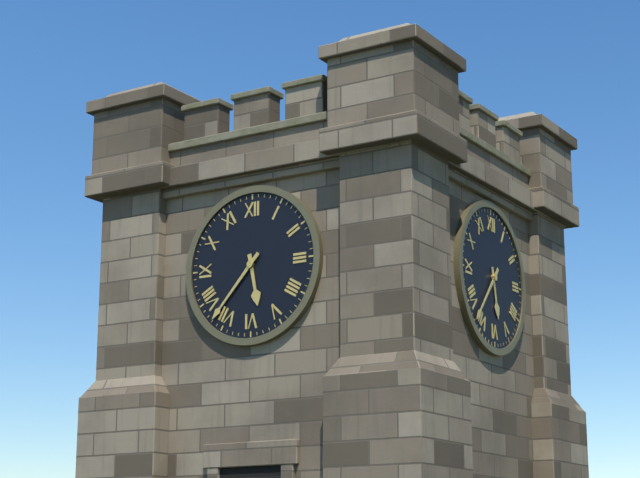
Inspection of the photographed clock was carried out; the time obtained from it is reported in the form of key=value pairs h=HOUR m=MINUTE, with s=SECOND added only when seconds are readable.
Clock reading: h=5 m=37
